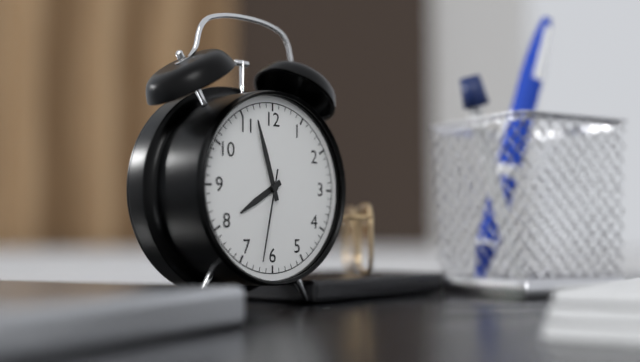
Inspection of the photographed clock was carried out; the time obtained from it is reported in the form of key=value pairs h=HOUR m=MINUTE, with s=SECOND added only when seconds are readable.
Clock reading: h=7 m=57 s=32
